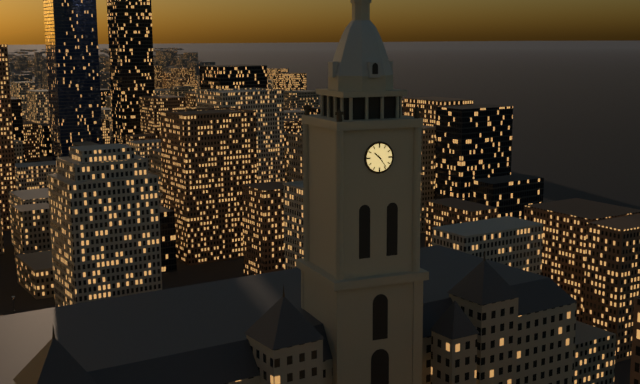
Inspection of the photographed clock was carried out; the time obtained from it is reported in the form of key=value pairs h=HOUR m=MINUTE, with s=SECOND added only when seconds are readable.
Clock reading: h=10 m=24
